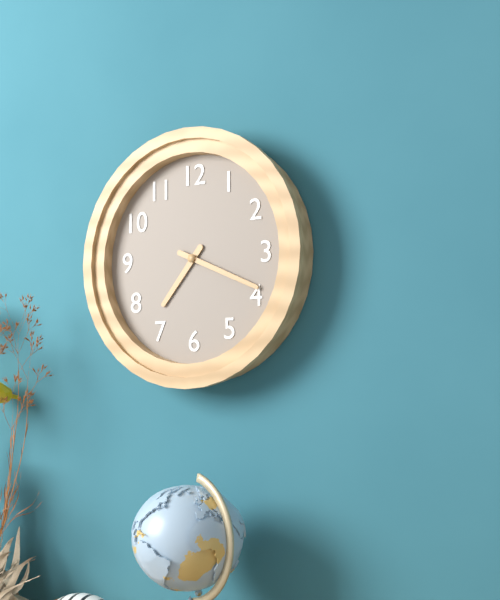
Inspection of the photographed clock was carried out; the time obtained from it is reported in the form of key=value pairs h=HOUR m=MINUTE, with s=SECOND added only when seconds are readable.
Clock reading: h=7 m=19
